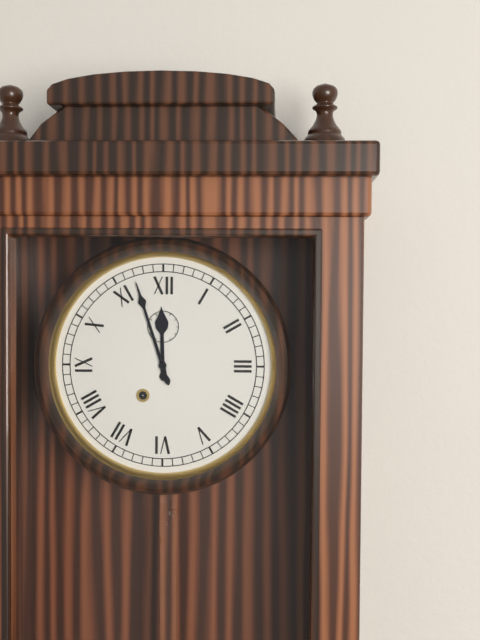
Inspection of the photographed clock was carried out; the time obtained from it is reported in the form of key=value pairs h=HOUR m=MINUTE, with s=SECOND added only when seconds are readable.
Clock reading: h=11 m=57
